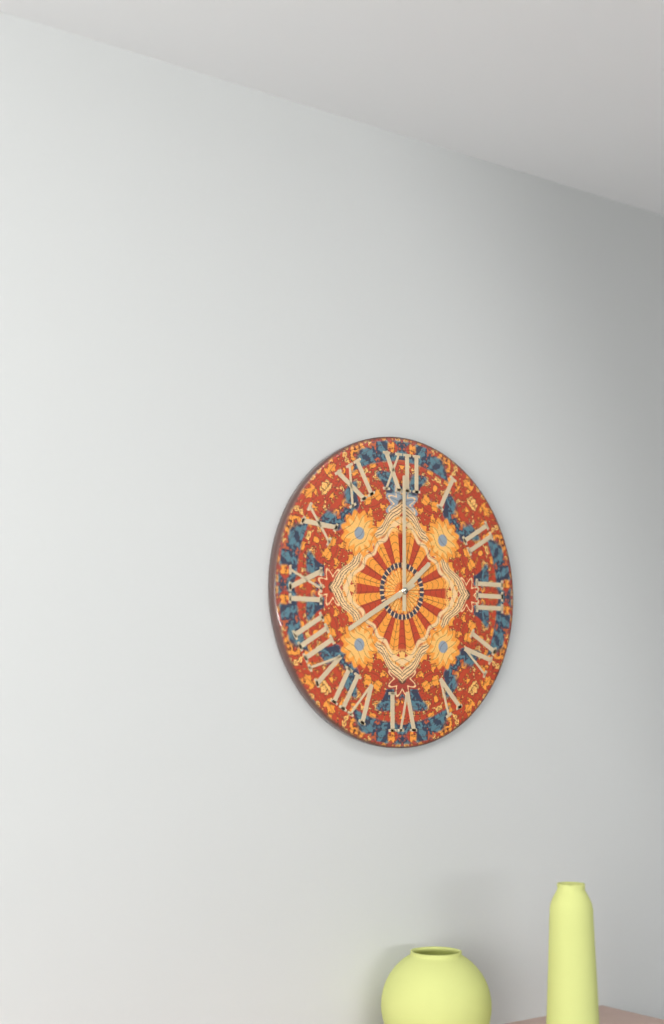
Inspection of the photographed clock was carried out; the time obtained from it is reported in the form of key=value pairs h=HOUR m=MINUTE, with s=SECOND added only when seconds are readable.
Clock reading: h=1 m=40 s=0
